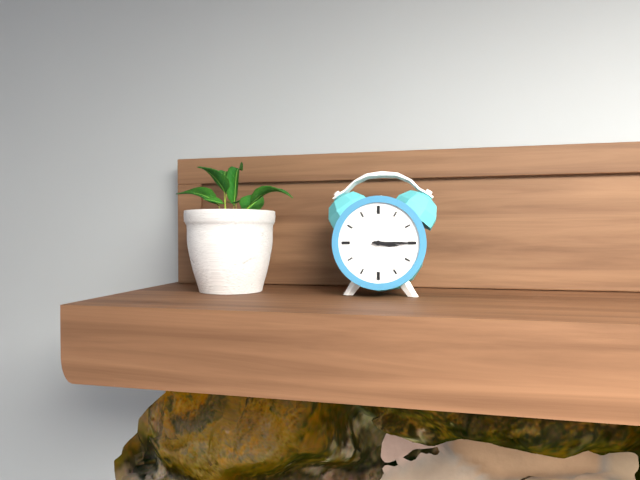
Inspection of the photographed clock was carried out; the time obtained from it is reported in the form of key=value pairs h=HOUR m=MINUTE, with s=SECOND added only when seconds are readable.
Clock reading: h=3 m=15
